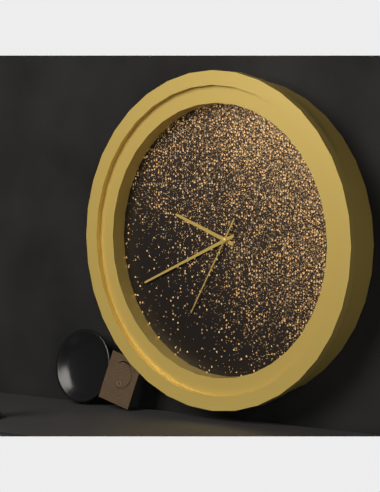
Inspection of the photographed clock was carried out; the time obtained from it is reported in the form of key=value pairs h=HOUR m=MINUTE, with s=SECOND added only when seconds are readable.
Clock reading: h=9 m=41 s=35
